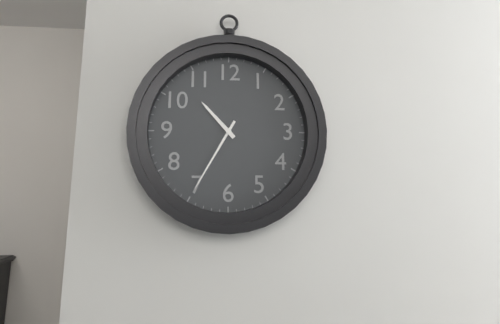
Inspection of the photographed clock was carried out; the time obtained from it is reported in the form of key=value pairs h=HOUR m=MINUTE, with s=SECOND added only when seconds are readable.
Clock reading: h=10 m=35
